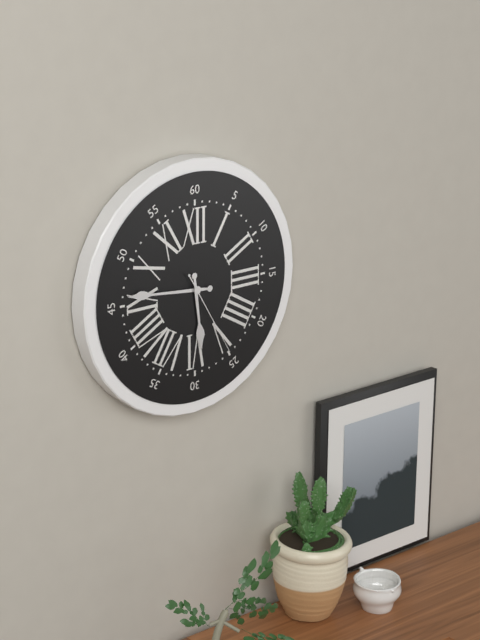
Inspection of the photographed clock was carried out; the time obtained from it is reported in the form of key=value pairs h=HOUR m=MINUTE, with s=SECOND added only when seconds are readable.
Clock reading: h=5 m=46 s=25
